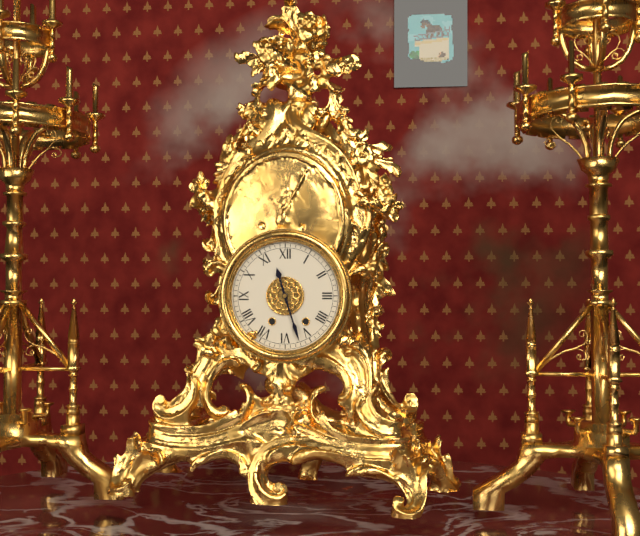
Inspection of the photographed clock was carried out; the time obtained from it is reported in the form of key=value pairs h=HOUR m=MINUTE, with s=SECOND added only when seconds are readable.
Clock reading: h=11 m=27
